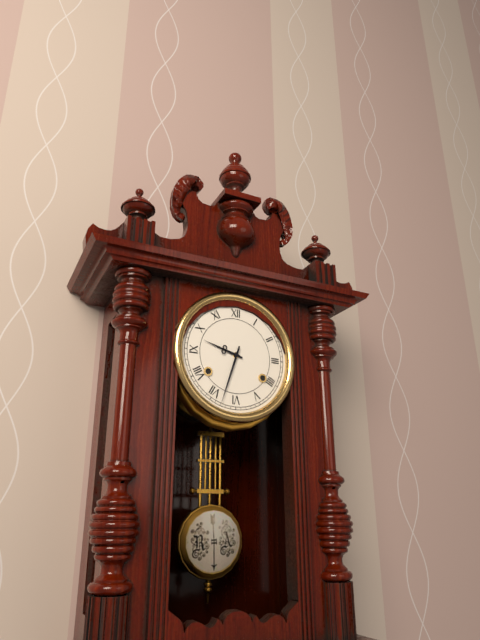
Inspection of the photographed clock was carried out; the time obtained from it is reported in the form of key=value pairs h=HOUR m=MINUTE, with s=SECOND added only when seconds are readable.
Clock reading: h=9 m=33
